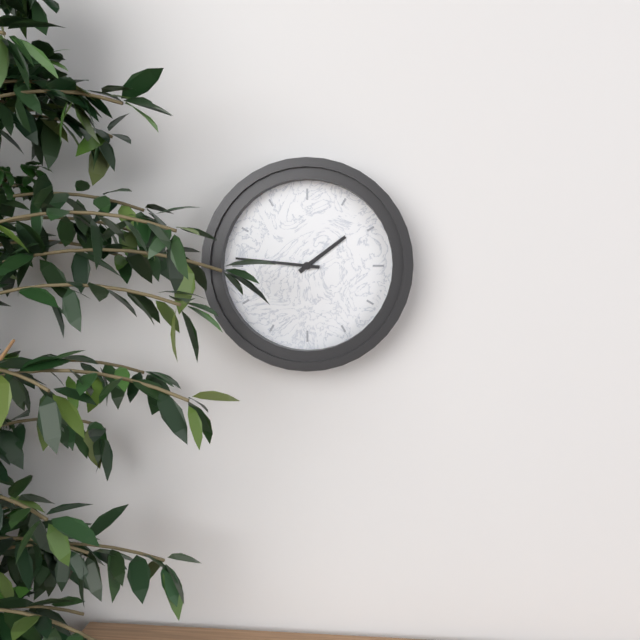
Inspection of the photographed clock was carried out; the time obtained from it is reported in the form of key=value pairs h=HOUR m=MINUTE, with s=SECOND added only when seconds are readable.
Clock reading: h=1 m=46
